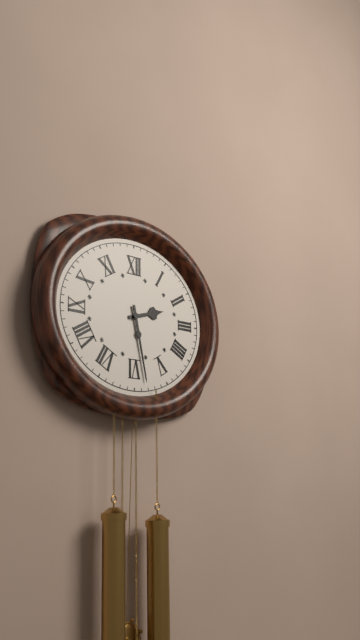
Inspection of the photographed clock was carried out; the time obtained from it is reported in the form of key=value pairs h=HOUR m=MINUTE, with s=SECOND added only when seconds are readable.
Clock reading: h=2 m=28
